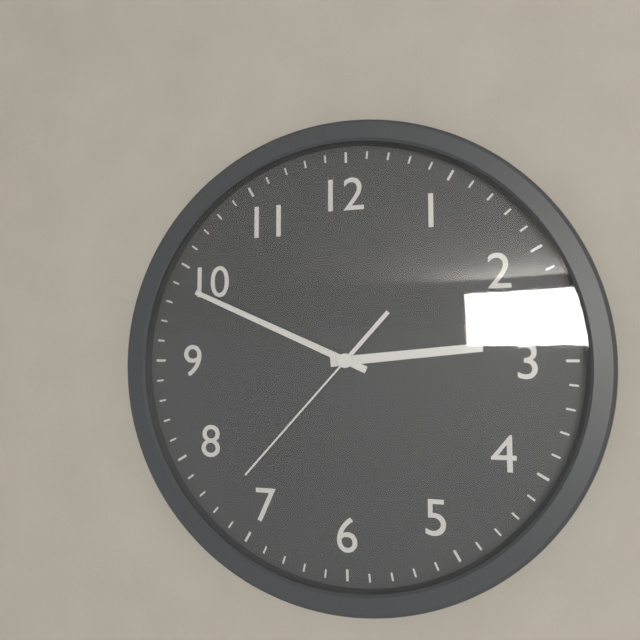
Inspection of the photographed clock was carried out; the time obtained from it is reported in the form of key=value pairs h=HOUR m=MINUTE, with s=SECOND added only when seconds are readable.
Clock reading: h=2 m=49 s=37
